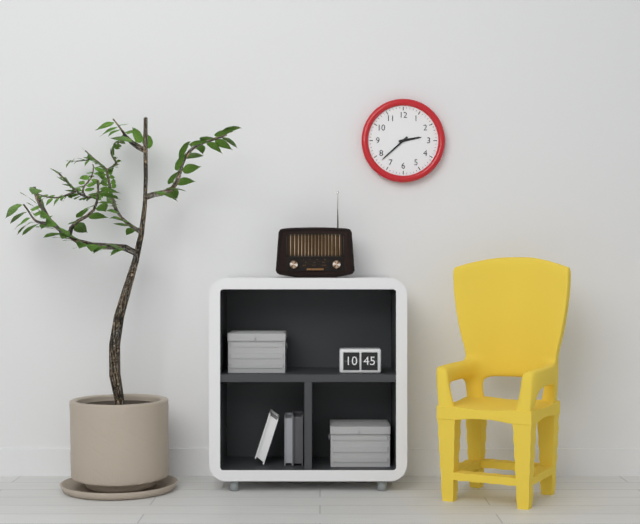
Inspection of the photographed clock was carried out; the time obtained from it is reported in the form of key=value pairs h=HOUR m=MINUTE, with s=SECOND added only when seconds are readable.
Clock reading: h=2 m=38
